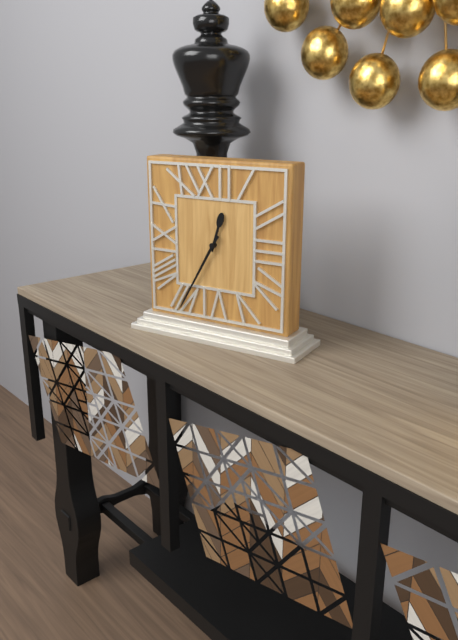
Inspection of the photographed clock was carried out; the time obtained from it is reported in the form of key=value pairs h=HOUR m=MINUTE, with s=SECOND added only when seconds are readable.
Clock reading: h=12 m=35
